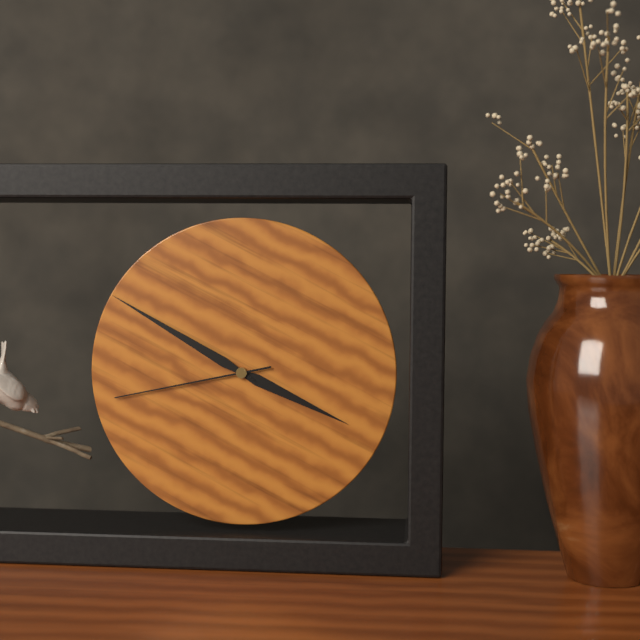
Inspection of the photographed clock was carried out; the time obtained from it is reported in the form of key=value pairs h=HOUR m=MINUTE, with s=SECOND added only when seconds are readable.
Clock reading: h=3 m=50 s=43
